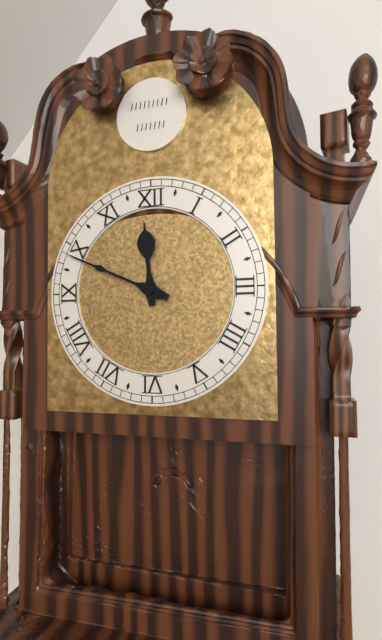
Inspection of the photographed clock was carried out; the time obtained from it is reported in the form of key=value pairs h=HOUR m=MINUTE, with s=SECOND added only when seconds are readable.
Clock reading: h=11 m=49
